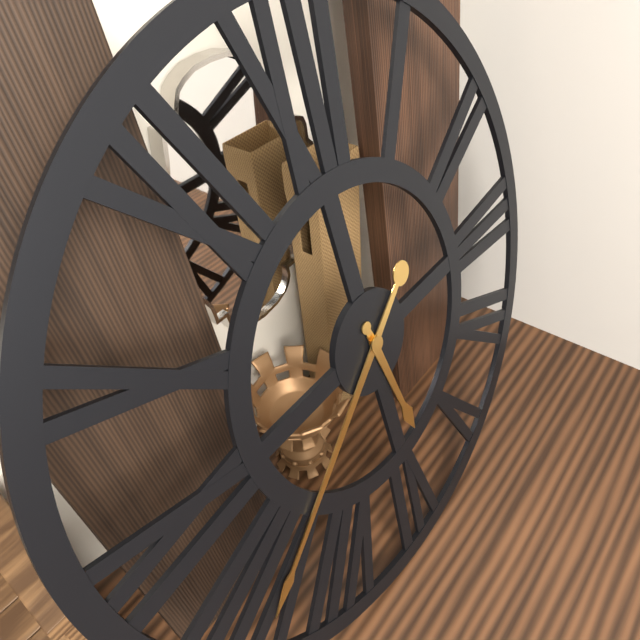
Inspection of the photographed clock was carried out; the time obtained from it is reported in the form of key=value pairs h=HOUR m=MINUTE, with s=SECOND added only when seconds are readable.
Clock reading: h=5 m=39
